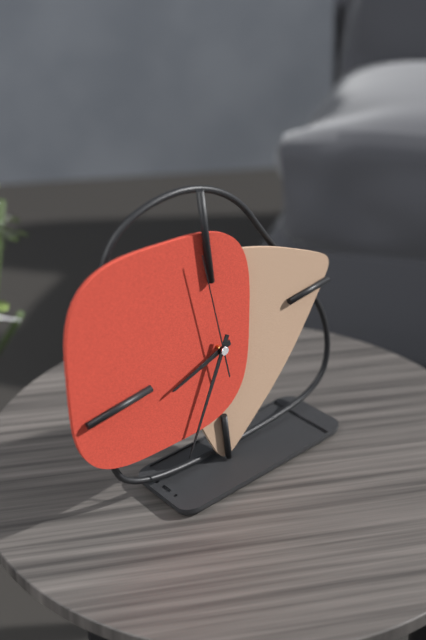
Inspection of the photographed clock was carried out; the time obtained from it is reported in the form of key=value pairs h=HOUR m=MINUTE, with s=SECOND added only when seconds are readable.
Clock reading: h=8 m=35 s=59
